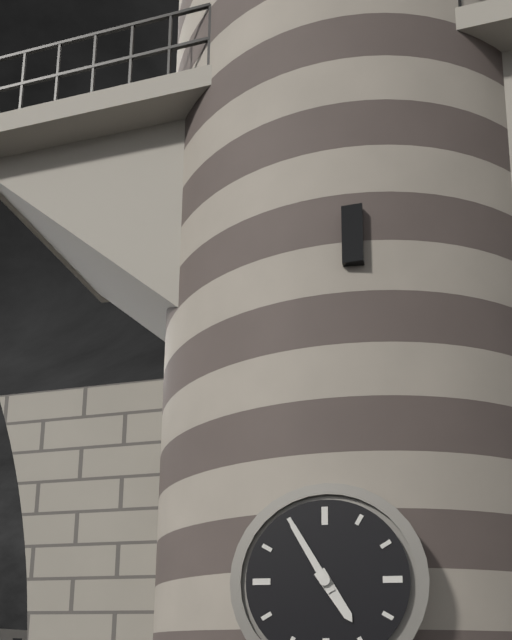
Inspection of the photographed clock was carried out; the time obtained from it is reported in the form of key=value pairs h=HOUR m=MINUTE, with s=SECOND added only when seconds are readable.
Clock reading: h=4 m=55
